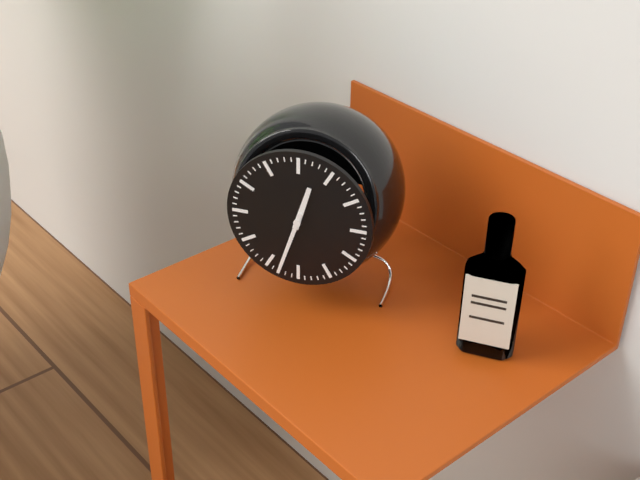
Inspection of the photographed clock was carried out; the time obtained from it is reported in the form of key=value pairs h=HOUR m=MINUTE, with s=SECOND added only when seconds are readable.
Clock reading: h=12 m=33
